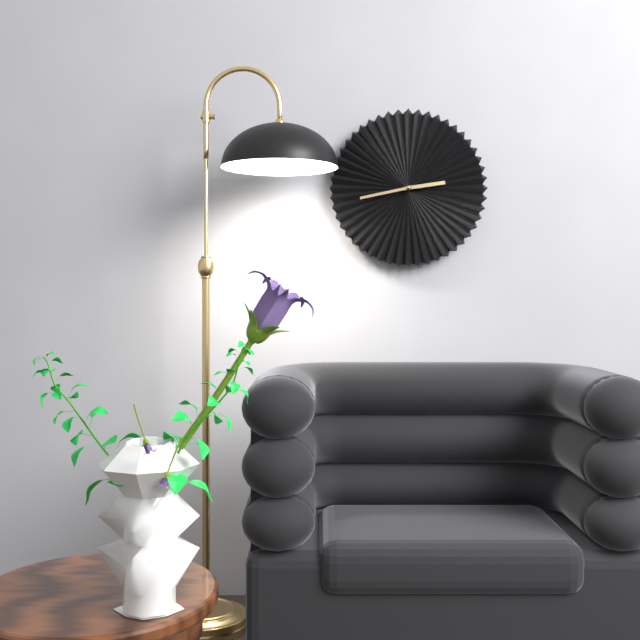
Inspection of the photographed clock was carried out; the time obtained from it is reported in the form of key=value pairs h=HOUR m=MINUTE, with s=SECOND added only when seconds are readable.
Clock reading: h=2 m=43
